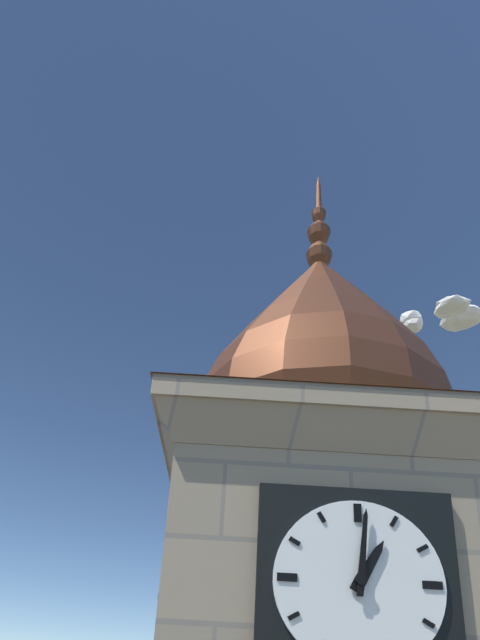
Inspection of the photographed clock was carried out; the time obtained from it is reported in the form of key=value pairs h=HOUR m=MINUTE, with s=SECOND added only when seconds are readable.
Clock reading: h=1 m=1
